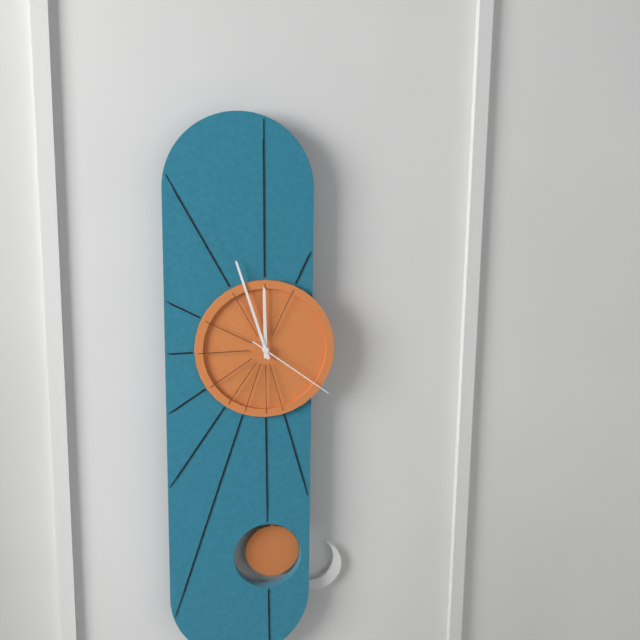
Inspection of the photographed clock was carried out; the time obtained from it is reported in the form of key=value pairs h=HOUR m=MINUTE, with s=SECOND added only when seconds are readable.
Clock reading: h=11 m=57 s=21
